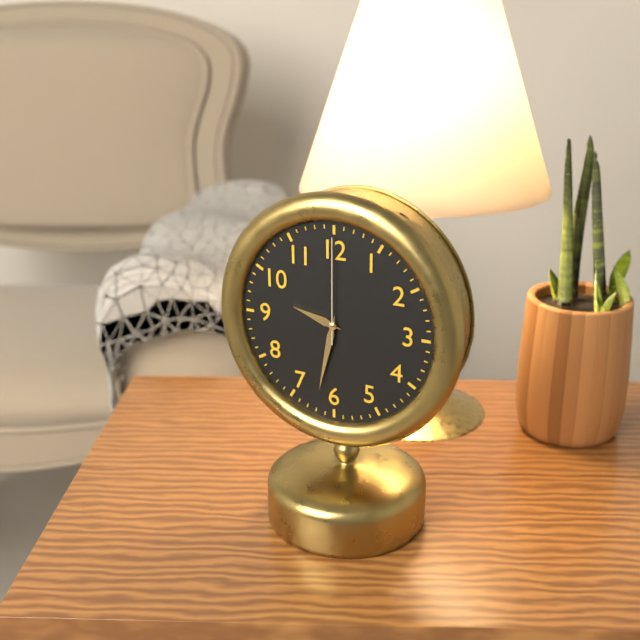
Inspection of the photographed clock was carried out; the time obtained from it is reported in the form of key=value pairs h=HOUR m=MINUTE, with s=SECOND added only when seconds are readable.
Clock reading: h=9 m=32 s=0
